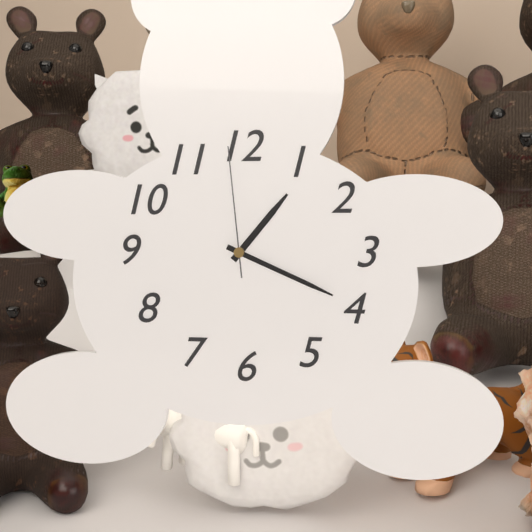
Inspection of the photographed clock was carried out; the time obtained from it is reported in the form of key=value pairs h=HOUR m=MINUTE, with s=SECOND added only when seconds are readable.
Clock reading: h=1 m=19 s=59
